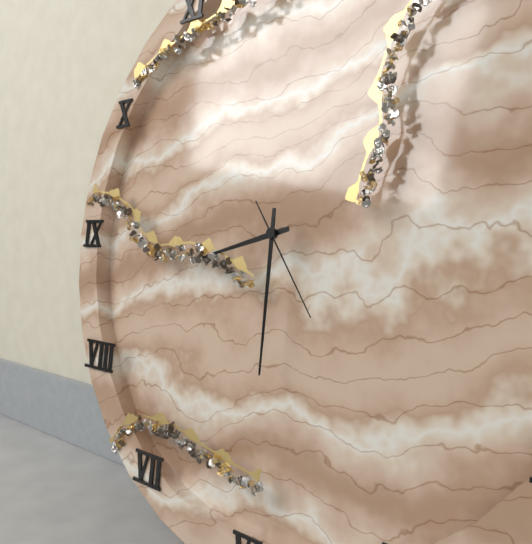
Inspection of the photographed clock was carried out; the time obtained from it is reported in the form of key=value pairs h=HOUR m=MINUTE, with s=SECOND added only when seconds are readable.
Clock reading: h=8 m=30 s=24
